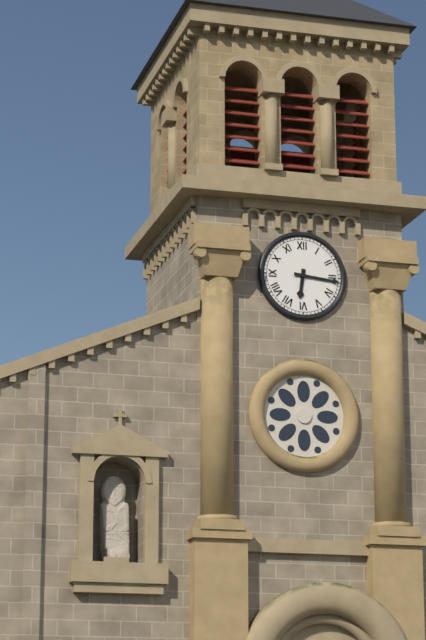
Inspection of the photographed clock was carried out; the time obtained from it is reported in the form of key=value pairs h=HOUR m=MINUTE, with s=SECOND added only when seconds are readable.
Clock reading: h=6 m=16
